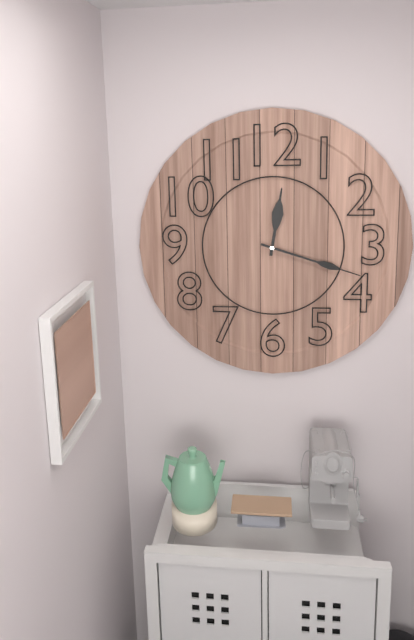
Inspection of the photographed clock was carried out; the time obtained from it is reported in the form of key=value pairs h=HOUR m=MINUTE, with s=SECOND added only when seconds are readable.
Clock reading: h=12 m=18
